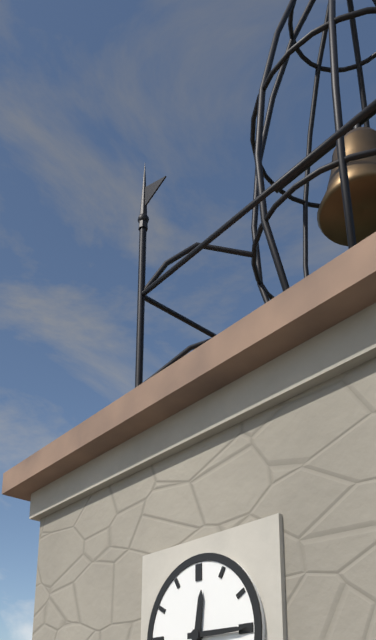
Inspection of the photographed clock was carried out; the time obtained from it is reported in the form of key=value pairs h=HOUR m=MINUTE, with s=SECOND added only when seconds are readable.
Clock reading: h=12 m=15
